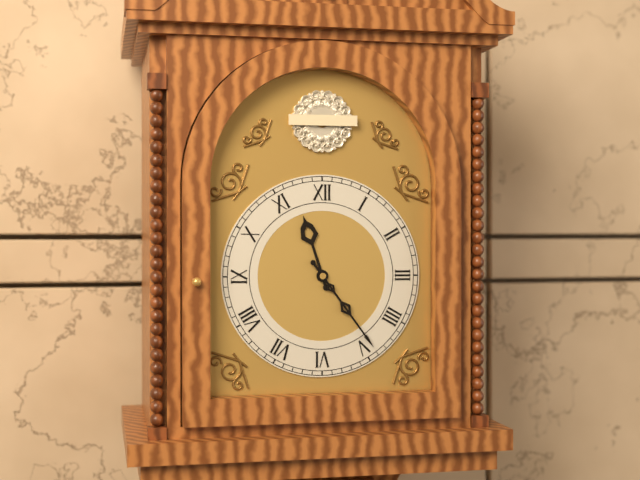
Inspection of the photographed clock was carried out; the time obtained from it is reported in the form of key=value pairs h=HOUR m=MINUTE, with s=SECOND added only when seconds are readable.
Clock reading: h=11 m=24
